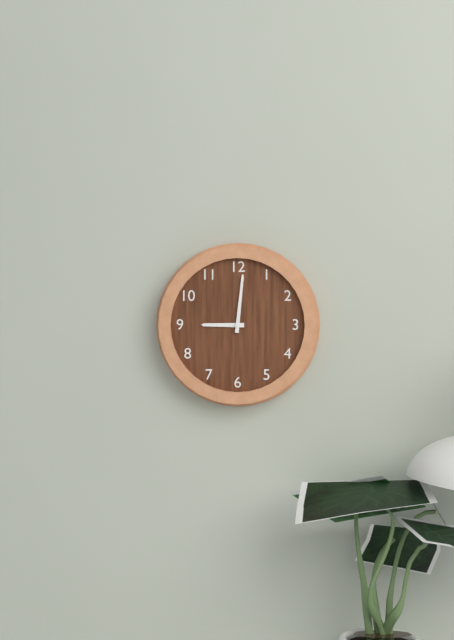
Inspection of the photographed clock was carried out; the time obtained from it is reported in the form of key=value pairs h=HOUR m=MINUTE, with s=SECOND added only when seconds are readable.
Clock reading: h=9 m=1
